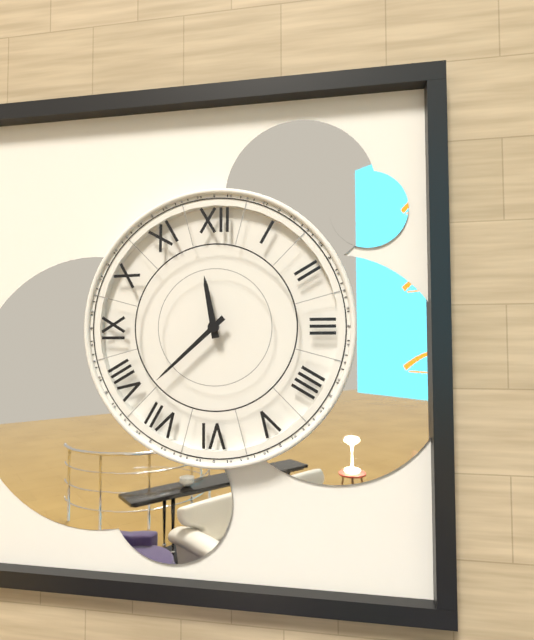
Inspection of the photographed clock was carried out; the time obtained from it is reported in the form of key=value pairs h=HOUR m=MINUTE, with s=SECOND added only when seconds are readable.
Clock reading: h=11 m=38
